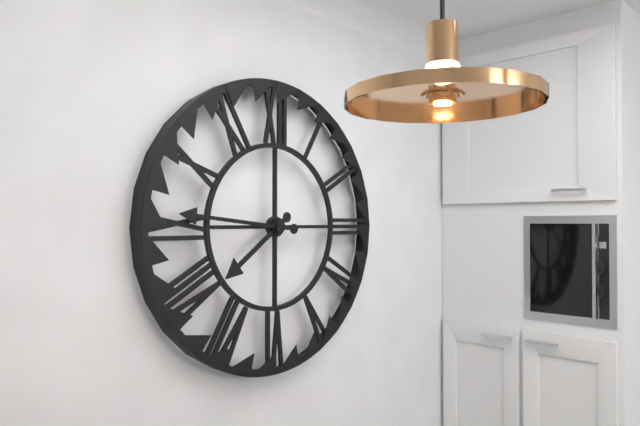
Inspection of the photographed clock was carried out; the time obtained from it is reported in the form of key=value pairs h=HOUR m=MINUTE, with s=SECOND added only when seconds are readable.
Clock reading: h=7 m=46
